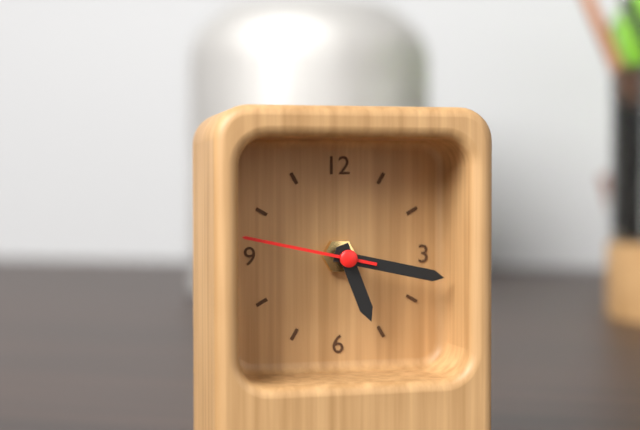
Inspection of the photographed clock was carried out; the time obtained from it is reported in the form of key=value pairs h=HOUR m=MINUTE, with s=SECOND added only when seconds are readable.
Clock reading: h=5 m=17 s=47
